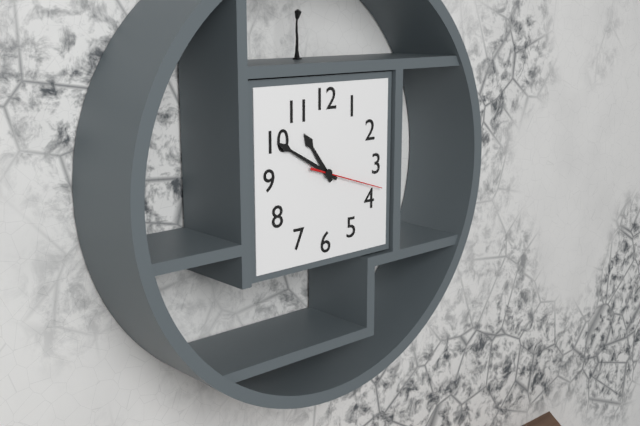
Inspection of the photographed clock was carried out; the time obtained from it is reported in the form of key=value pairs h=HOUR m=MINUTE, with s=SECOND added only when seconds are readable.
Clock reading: h=10 m=50 s=18
